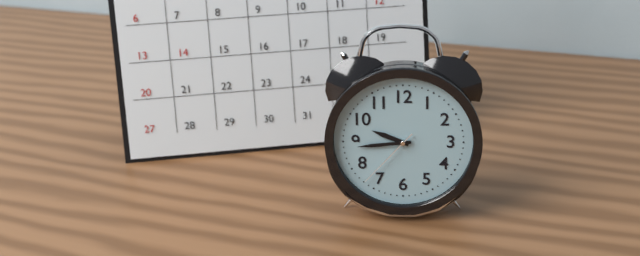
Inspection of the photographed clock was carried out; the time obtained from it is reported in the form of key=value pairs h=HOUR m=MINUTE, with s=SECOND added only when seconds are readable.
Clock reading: h=9 m=44 s=37
